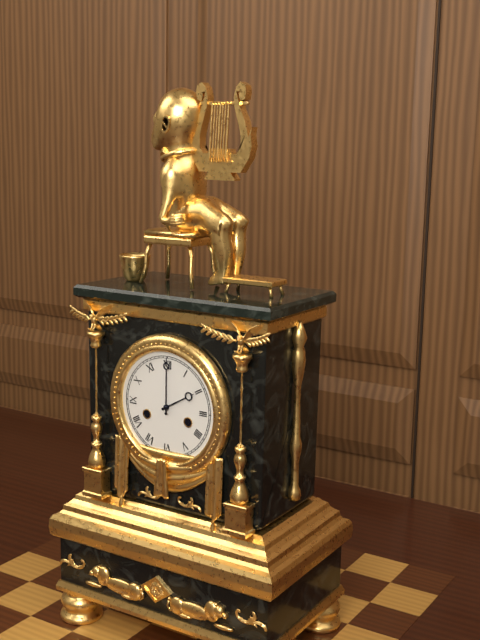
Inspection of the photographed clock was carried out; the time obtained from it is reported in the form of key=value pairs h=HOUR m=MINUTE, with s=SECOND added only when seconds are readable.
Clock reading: h=2 m=0
